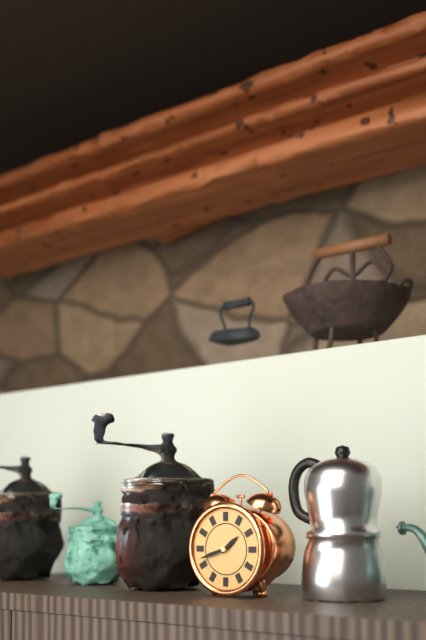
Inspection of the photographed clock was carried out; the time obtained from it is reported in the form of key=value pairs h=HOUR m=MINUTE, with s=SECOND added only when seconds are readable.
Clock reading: h=1 m=42
